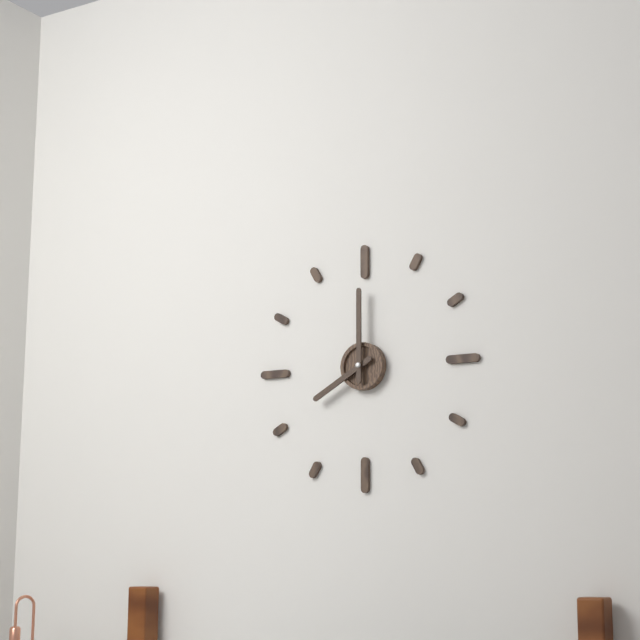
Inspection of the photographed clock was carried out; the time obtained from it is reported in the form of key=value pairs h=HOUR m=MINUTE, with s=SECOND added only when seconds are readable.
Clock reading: h=8 m=0
